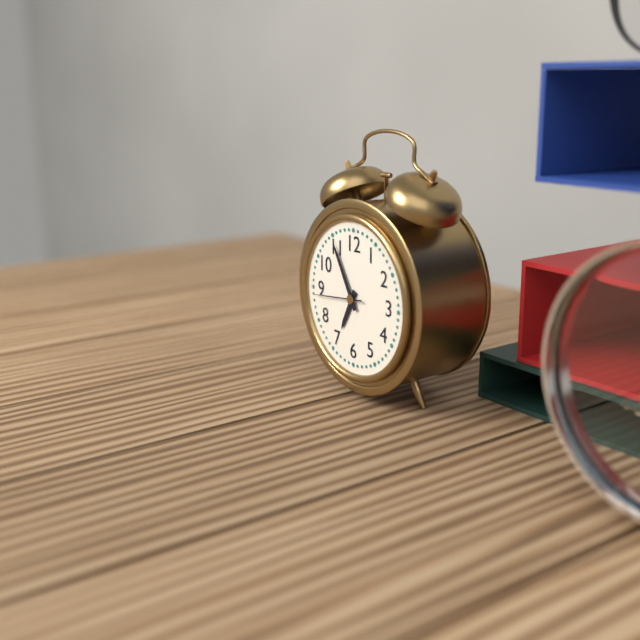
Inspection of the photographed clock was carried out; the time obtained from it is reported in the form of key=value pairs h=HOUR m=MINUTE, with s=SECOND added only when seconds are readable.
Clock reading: h=6 m=55 s=44
